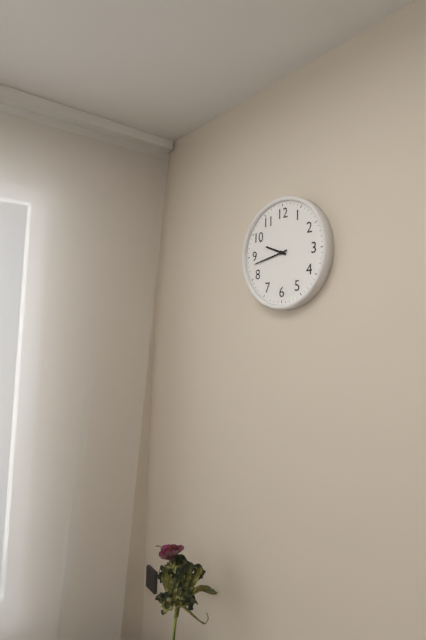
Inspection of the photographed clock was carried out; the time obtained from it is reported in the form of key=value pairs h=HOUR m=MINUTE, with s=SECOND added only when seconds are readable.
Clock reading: h=9 m=43
